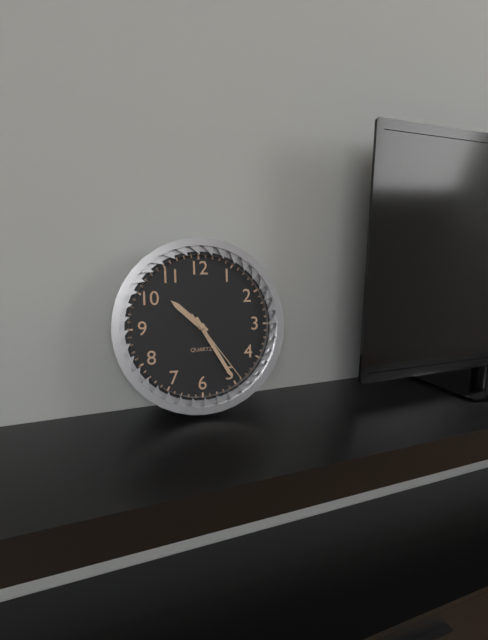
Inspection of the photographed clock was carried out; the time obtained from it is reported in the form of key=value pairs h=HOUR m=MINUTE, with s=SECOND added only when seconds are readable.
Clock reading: h=10 m=25 s=24
